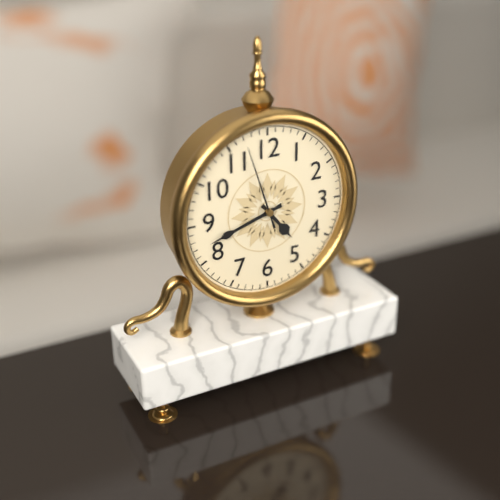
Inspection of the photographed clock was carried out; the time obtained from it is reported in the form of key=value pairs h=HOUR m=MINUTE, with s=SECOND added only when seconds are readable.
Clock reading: h=4 m=42 s=57
